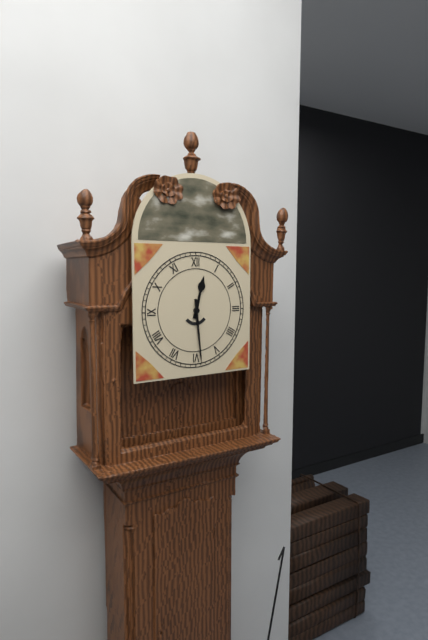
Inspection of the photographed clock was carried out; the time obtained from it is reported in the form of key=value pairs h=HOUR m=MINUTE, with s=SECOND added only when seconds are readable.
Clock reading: h=12 m=29
